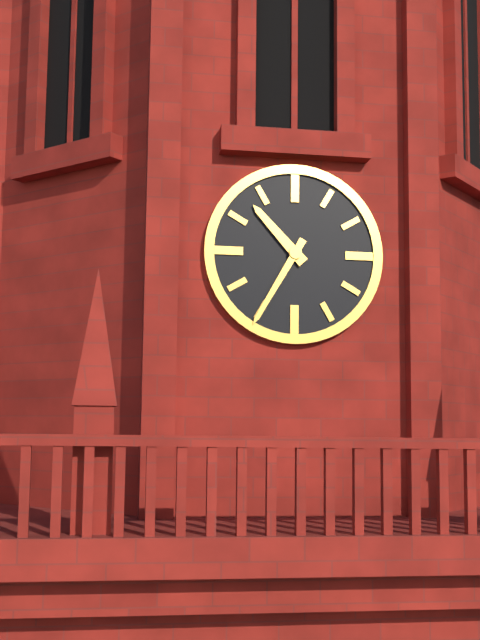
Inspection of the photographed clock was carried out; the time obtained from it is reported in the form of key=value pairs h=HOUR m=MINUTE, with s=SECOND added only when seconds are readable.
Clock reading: h=10 m=35
